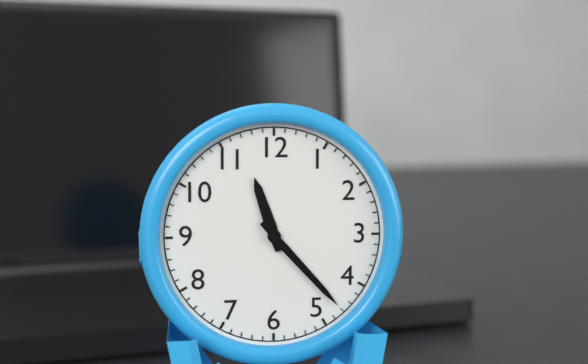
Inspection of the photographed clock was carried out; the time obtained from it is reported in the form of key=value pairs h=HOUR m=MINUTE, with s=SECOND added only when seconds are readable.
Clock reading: h=11 m=23
